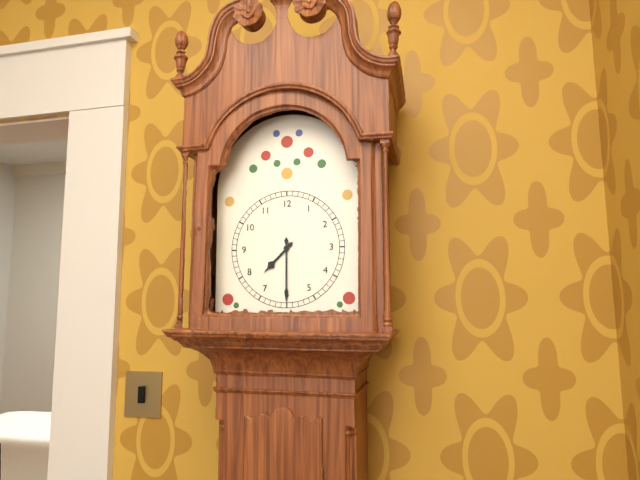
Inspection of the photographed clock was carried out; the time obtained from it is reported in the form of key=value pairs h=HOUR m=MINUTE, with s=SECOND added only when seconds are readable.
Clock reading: h=7 m=30
